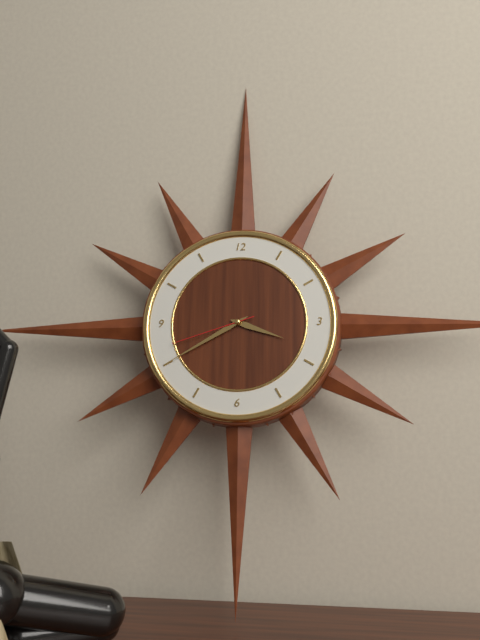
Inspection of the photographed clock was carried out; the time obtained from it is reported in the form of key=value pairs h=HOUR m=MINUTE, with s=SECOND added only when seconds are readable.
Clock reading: h=3 m=40 s=42
